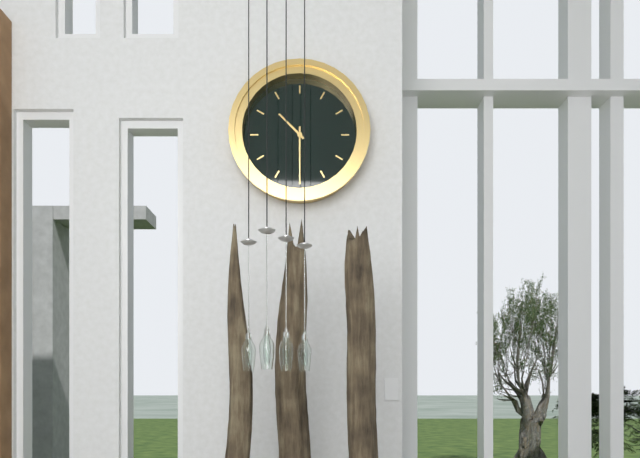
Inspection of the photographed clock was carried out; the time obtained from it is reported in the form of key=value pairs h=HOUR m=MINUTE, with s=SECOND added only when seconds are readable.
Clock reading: h=10 m=30
